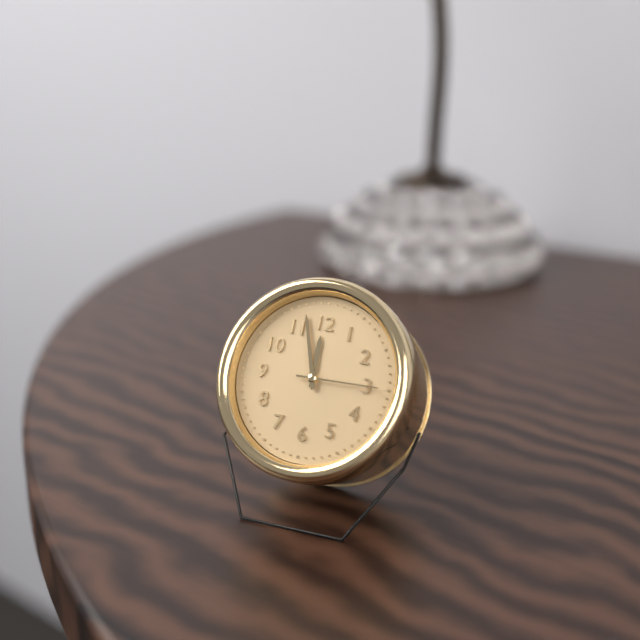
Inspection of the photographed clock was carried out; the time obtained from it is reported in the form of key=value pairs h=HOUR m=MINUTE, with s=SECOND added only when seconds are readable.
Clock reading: h=11 m=57 s=15
